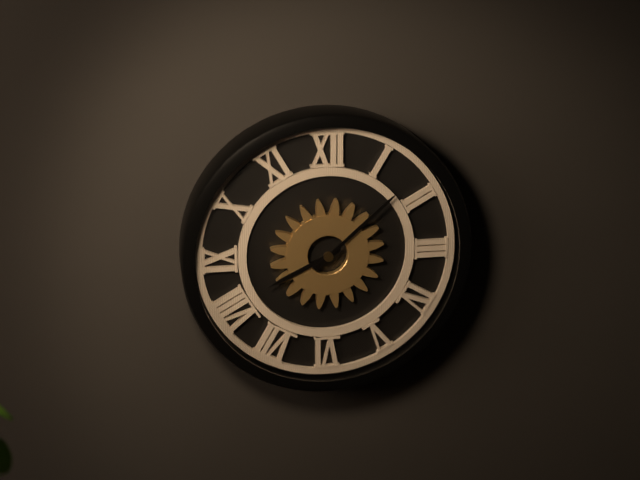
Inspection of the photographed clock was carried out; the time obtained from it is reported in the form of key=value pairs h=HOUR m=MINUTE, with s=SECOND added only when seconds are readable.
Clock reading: h=8 m=8
